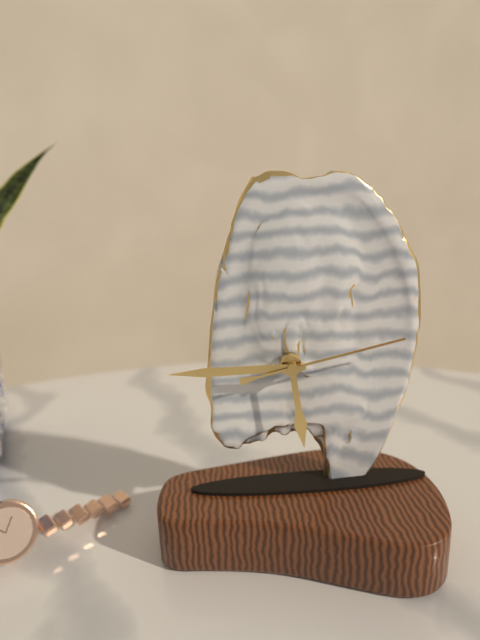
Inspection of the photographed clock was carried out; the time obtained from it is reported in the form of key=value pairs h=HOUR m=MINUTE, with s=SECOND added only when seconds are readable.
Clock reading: h=5 m=45 s=13
